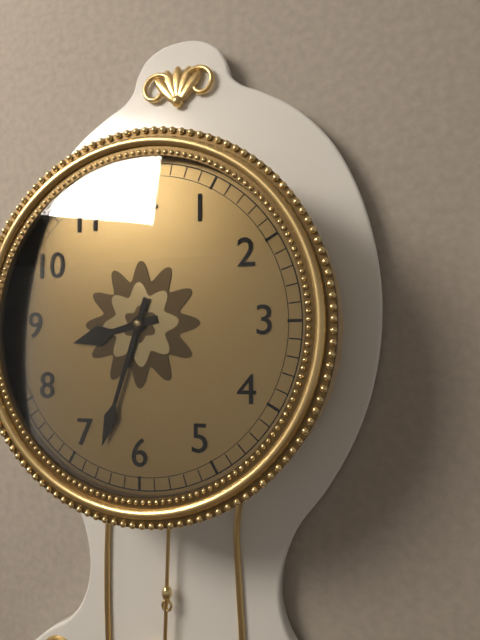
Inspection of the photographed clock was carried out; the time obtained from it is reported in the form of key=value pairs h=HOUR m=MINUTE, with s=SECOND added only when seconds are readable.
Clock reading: h=8 m=33
